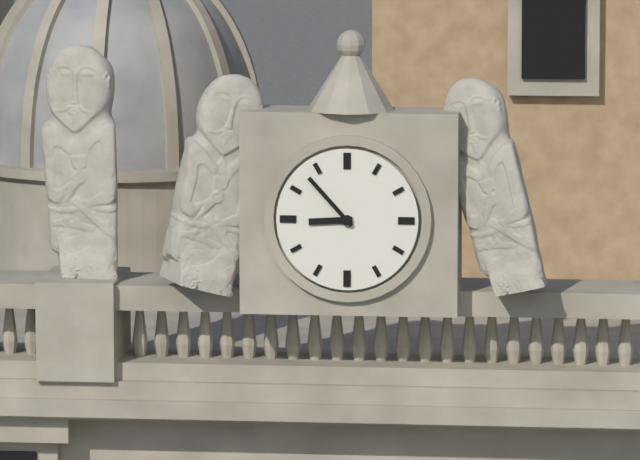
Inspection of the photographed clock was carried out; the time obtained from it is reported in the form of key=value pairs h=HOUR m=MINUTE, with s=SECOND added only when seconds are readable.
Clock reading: h=8 m=53
